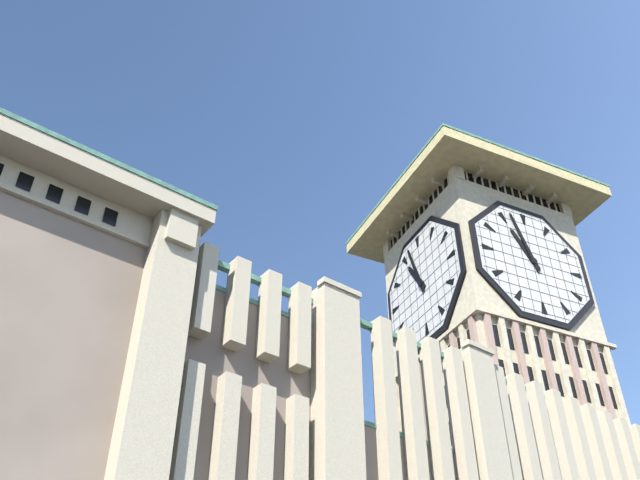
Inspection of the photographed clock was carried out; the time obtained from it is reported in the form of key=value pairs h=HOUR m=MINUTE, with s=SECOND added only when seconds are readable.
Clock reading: h=10 m=57
